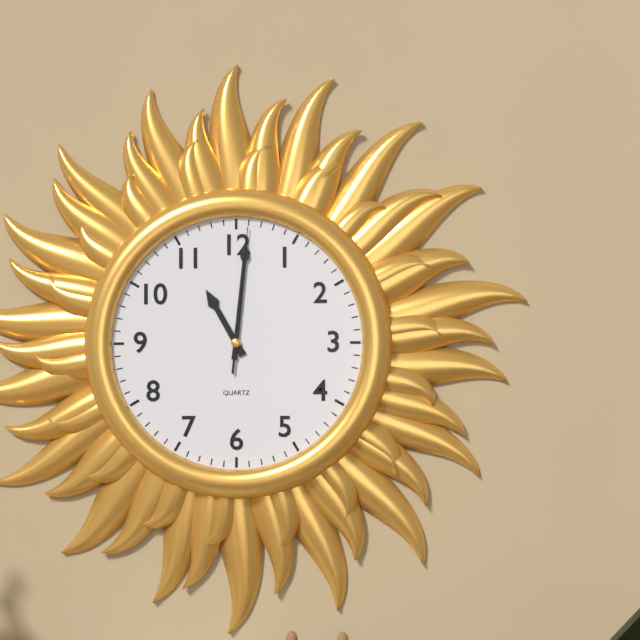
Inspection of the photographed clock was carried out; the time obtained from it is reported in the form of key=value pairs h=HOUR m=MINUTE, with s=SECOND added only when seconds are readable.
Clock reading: h=11 m=1 s=1
